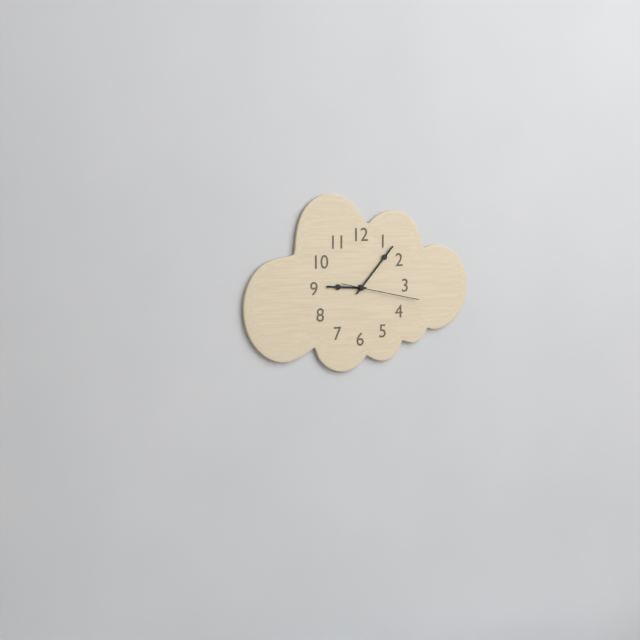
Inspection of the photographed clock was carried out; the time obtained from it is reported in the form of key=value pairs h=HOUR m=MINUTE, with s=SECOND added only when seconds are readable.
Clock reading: h=9 m=7 s=17
